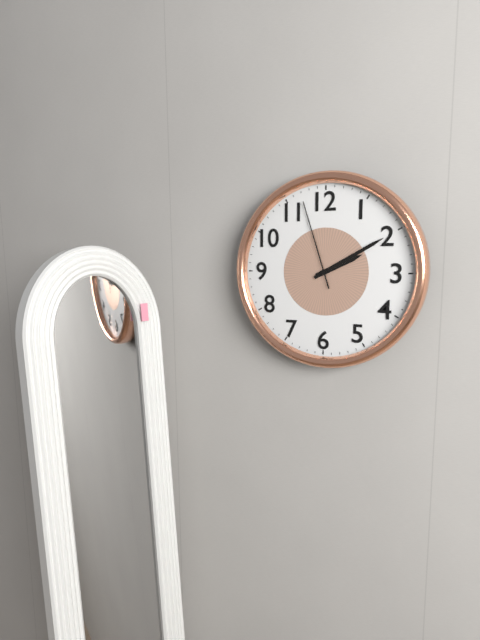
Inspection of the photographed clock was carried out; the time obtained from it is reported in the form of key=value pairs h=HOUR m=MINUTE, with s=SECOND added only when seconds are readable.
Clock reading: h=2 m=10 s=57
